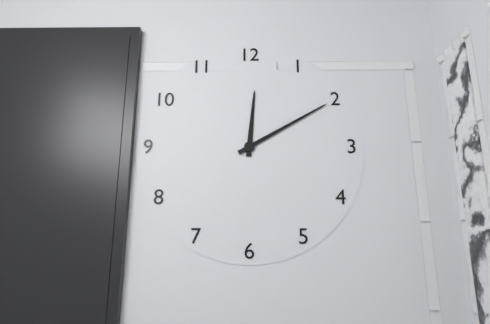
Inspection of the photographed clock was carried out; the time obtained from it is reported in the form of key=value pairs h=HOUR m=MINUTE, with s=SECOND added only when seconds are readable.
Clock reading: h=12 m=10
